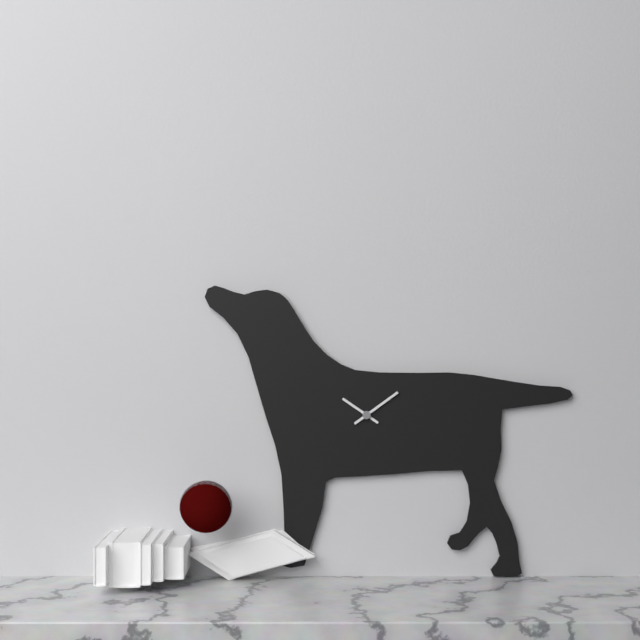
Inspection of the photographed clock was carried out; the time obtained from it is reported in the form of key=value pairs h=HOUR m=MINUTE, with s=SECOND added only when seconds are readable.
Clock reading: h=10 m=9
